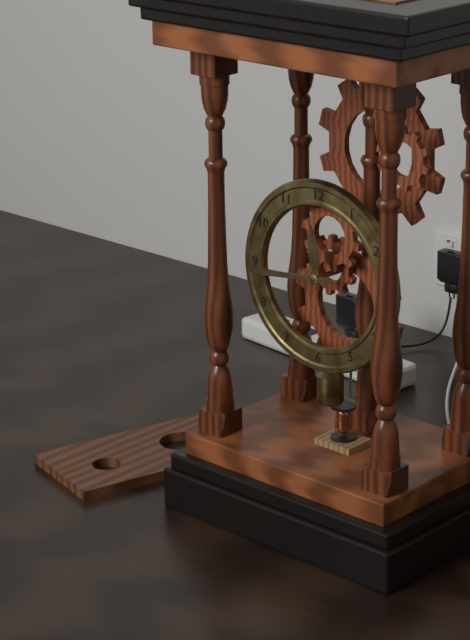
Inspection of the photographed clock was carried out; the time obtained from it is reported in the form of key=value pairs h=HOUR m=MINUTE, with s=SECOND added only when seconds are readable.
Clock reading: h=11 m=44
